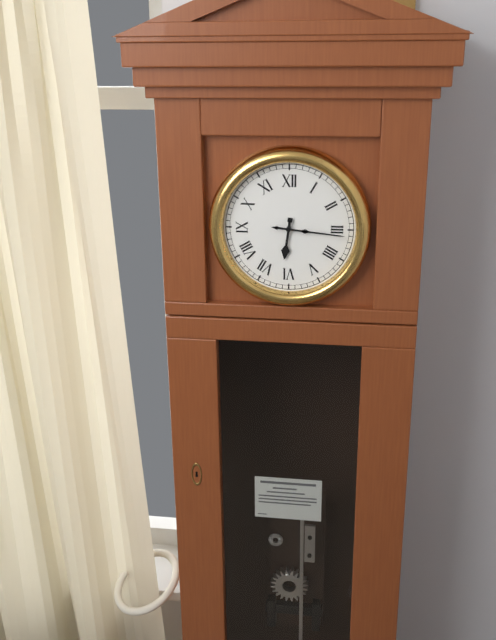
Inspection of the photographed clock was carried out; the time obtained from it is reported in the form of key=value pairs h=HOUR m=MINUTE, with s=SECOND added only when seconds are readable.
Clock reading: h=6 m=16
